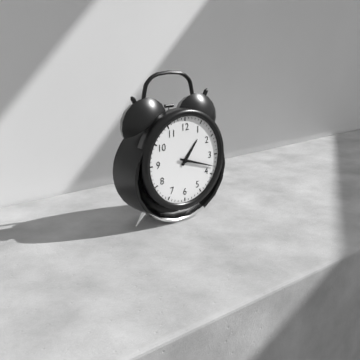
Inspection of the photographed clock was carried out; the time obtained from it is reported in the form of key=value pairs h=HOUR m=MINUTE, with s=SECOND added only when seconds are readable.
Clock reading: h=1 m=18
